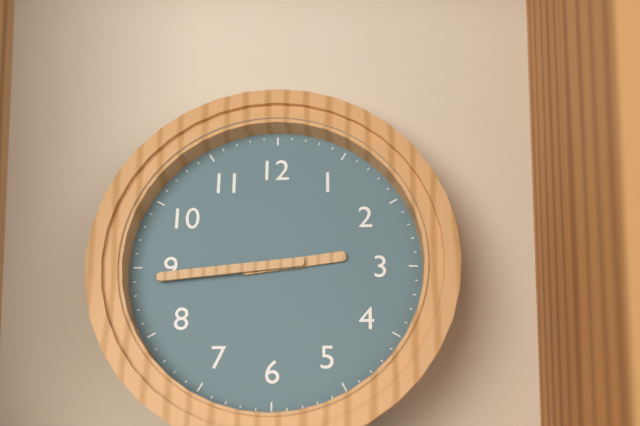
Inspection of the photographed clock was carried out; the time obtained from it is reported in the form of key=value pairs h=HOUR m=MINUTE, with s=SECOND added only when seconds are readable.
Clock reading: h=2 m=44
